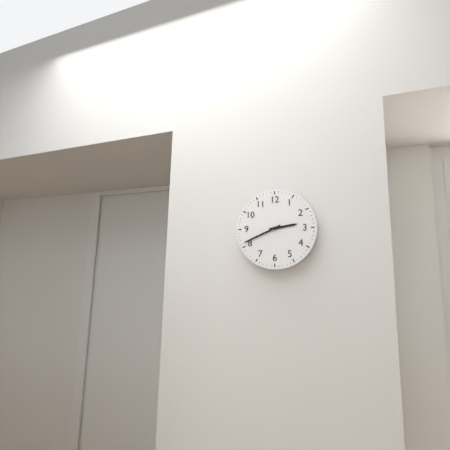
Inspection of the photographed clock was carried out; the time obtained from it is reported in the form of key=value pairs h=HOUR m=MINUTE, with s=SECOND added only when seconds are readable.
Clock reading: h=2 m=41
